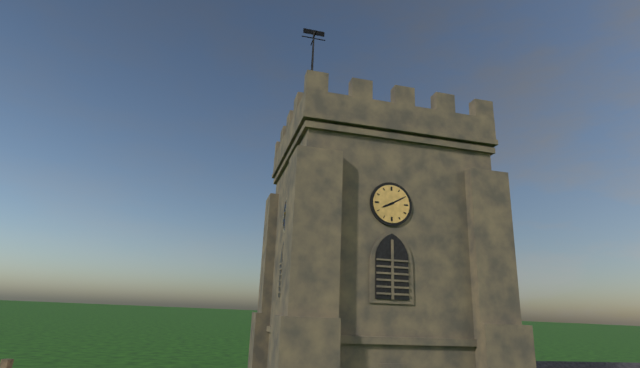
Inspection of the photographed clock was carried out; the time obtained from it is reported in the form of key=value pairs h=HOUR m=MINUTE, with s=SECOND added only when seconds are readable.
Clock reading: h=8 m=10
